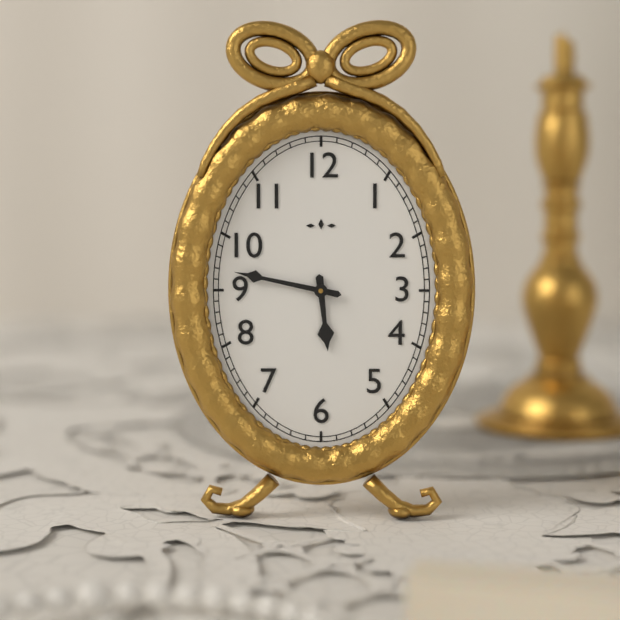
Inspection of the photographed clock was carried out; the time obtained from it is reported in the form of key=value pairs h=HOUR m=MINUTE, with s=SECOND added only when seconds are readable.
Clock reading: h=5 m=47
